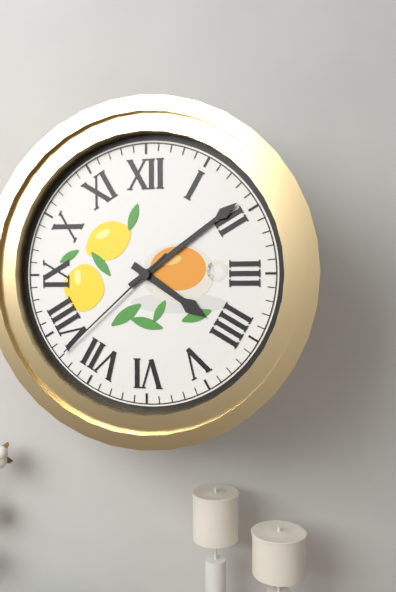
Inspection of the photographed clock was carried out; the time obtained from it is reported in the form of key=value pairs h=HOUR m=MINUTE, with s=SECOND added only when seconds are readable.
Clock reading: h=4 m=9 s=38
